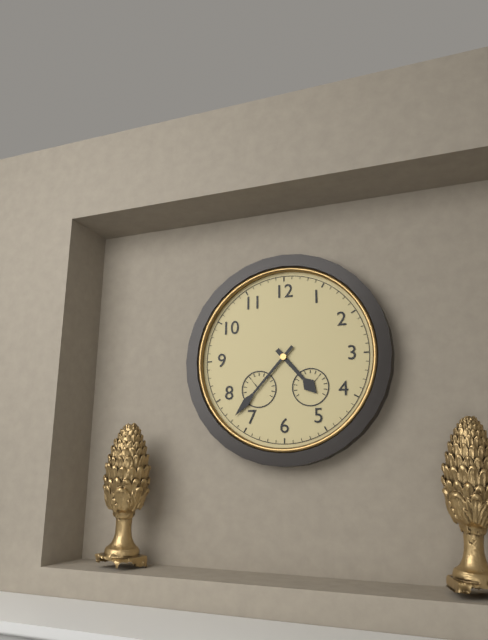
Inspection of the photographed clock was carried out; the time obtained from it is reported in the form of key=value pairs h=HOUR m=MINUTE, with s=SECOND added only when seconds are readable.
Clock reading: h=4 m=37
